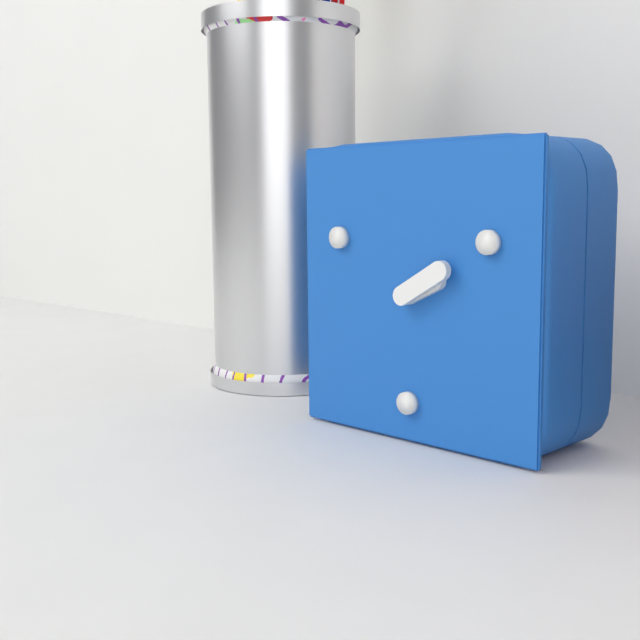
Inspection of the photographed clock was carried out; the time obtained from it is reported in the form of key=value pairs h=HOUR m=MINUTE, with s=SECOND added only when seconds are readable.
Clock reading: h=2 m=10
